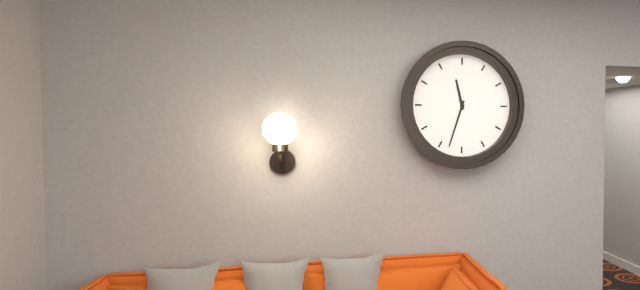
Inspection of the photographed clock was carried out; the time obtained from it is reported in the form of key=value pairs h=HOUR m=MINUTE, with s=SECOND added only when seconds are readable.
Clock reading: h=11 m=33
